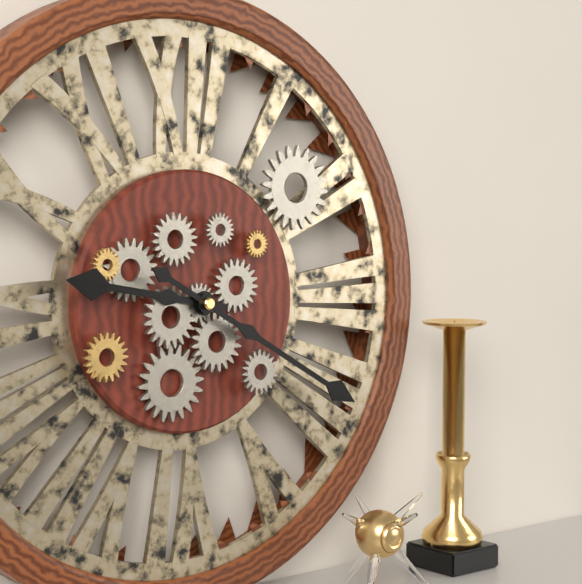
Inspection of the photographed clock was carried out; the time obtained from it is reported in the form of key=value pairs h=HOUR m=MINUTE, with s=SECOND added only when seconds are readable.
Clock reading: h=9 m=20
